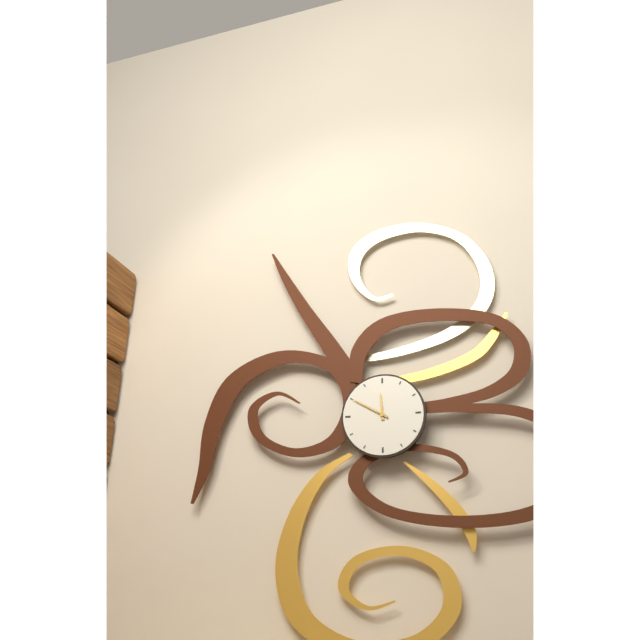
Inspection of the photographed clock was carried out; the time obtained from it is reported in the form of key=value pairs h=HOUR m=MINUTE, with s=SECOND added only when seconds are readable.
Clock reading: h=11 m=50
